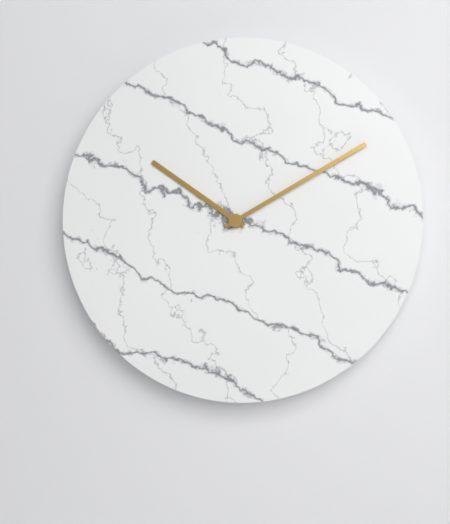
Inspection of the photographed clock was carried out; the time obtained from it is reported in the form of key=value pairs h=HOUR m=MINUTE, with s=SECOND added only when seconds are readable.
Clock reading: h=10 m=10
